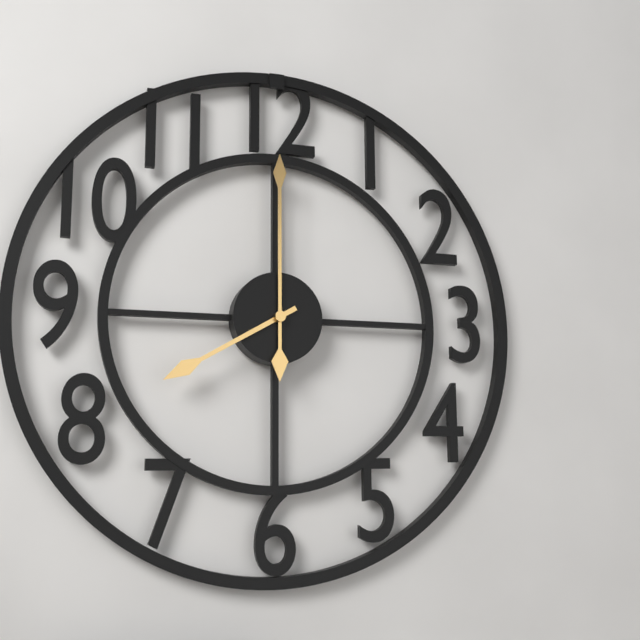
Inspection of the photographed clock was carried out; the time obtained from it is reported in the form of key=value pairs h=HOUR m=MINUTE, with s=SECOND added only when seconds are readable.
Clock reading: h=8 m=0
